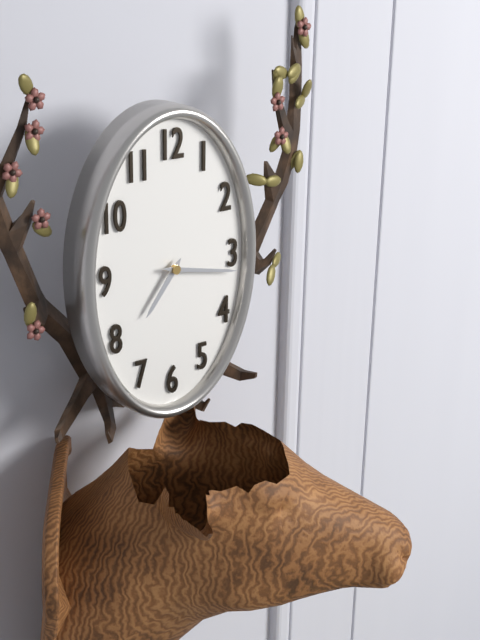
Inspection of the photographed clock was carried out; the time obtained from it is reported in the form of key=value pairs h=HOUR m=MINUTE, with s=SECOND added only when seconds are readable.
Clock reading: h=7 m=17
